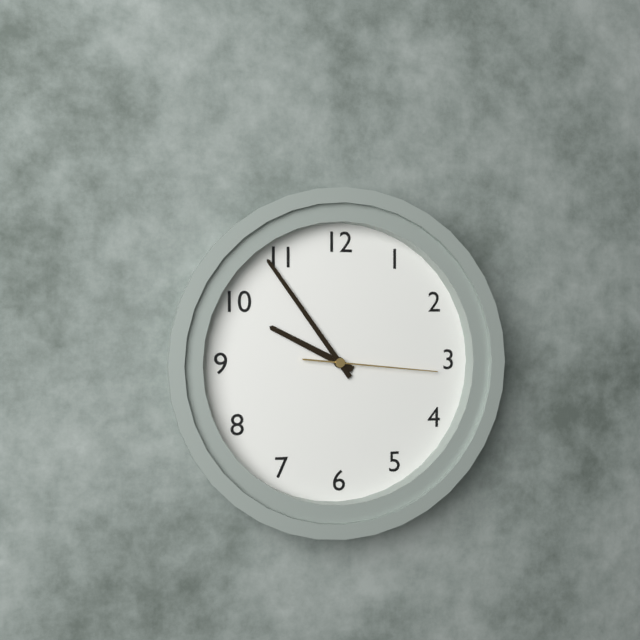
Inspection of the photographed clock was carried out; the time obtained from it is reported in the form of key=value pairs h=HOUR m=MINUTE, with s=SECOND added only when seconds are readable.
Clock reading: h=9 m=54 s=16
